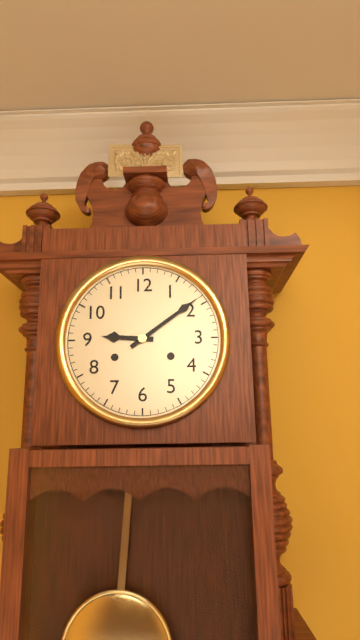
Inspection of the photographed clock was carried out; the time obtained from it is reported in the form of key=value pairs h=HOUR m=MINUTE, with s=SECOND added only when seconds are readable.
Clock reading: h=9 m=9
